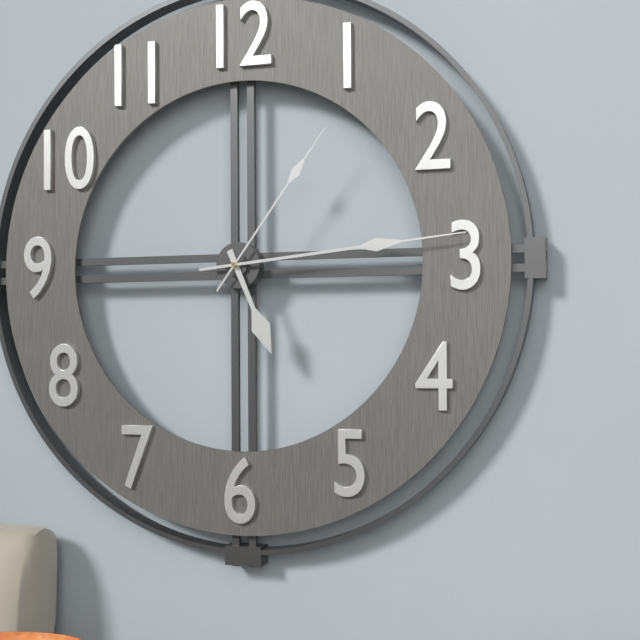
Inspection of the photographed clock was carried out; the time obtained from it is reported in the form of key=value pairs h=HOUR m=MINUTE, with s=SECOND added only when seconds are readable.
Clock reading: h=5 m=14 s=6
